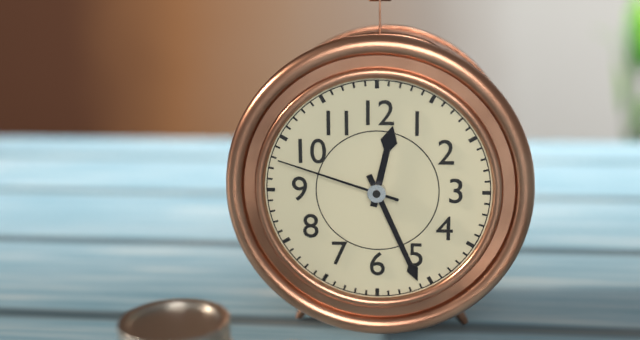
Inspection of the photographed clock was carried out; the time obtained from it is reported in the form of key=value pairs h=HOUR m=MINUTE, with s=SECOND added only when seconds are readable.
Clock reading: h=12 m=26 s=48
